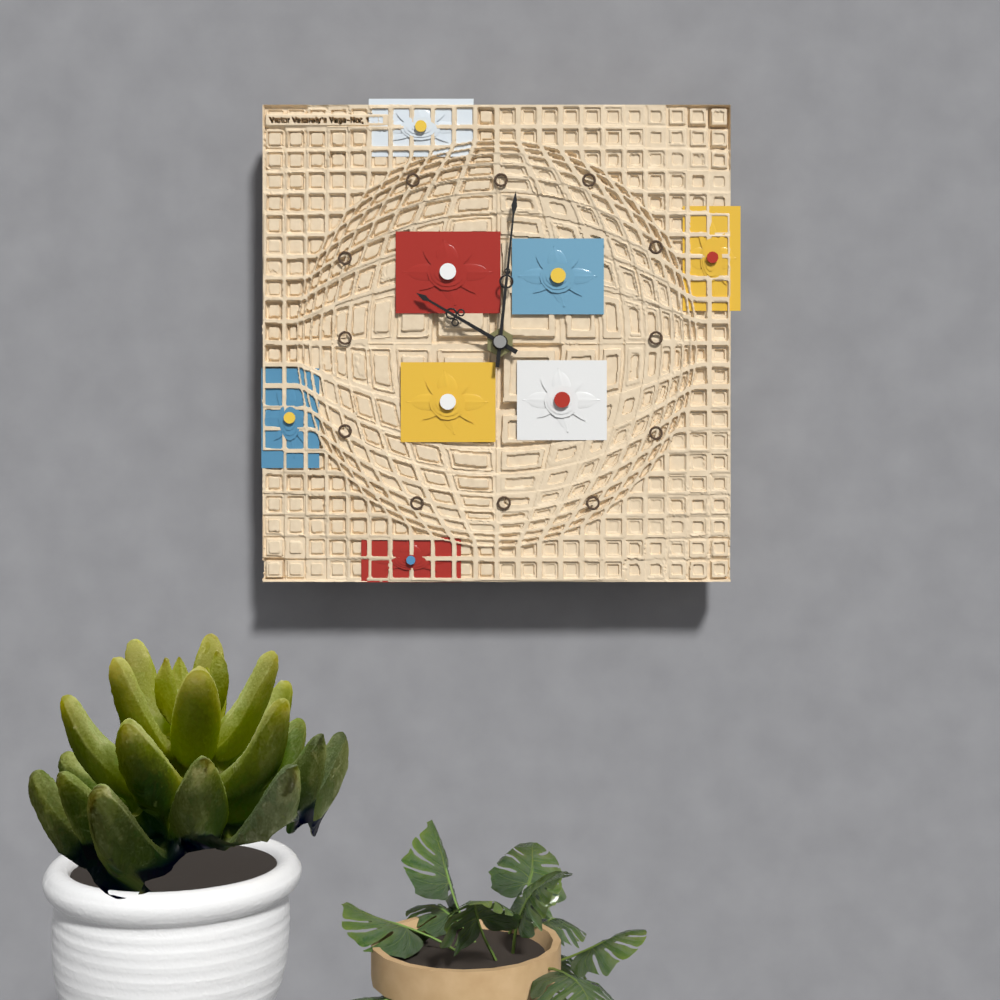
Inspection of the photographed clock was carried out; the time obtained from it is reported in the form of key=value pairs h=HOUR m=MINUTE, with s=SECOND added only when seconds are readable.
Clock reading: h=10 m=1
